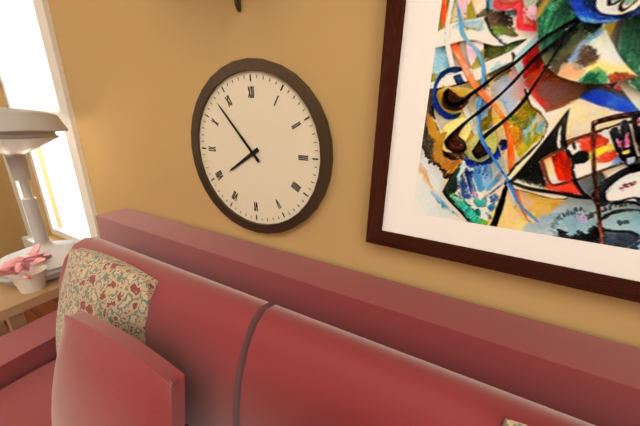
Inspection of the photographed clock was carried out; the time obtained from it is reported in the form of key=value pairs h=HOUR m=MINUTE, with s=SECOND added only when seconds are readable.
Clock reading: h=7 m=53
